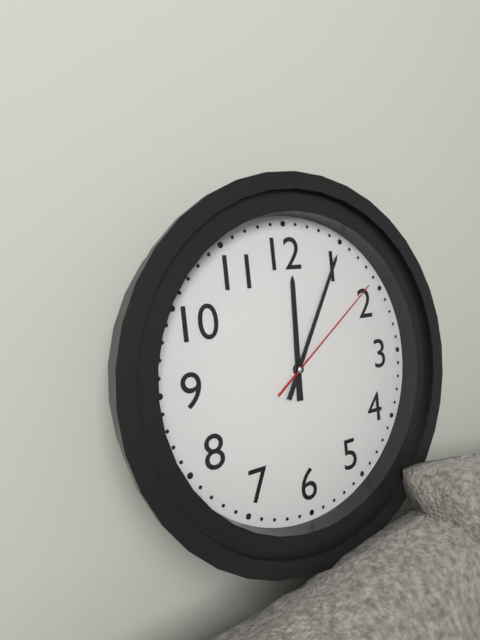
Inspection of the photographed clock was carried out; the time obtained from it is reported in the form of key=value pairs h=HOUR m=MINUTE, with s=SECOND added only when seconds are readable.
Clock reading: h=12 m=5 s=9
